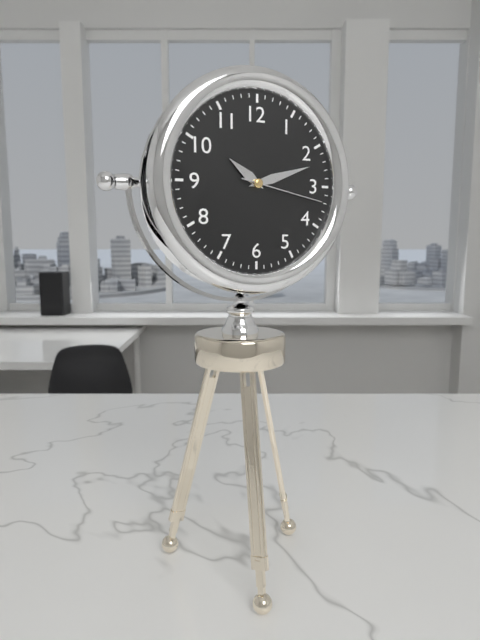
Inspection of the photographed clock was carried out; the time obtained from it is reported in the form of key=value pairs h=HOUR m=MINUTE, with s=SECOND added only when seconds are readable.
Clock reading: h=10 m=12 s=17
